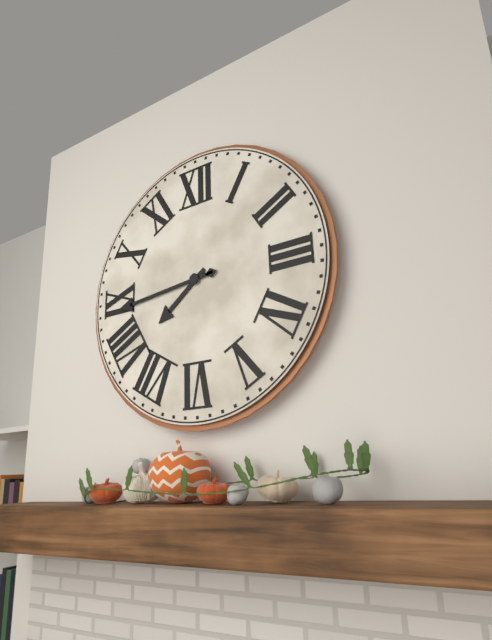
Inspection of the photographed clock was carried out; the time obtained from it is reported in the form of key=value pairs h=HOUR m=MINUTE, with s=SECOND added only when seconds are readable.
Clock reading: h=7 m=44
